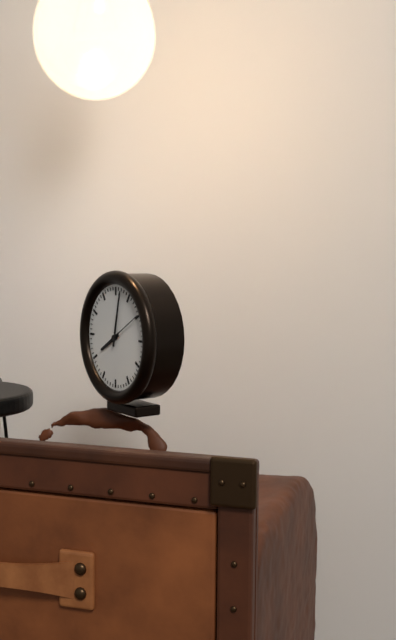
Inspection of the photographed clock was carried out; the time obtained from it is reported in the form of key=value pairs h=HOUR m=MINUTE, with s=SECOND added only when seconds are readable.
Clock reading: h=8 m=2
